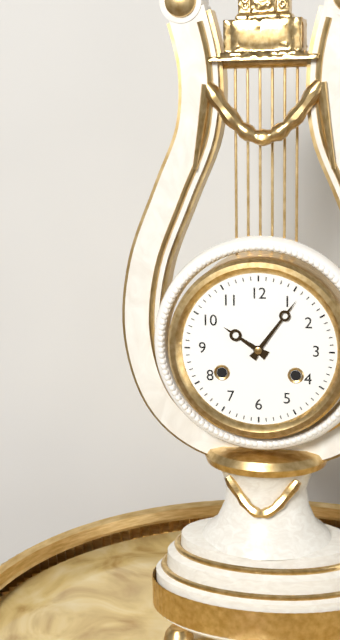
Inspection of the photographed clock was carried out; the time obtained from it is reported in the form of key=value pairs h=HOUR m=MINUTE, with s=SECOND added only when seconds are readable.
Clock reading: h=10 m=6
